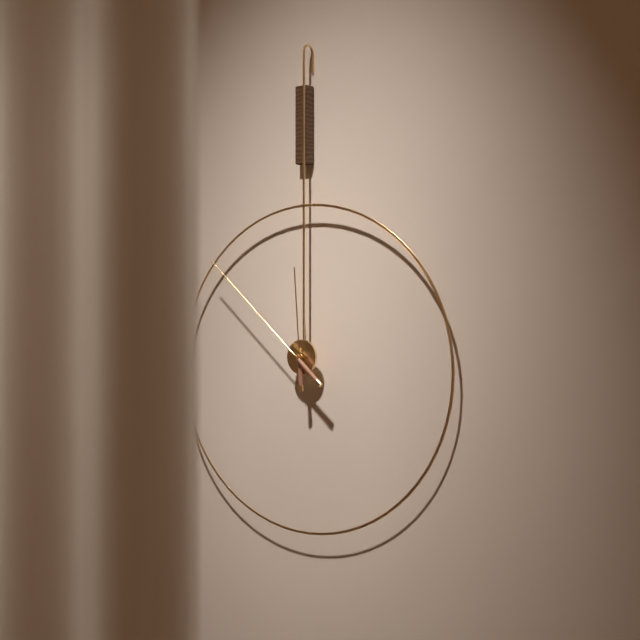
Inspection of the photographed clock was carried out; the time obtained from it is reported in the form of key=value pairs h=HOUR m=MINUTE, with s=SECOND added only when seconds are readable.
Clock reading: h=11 m=52
